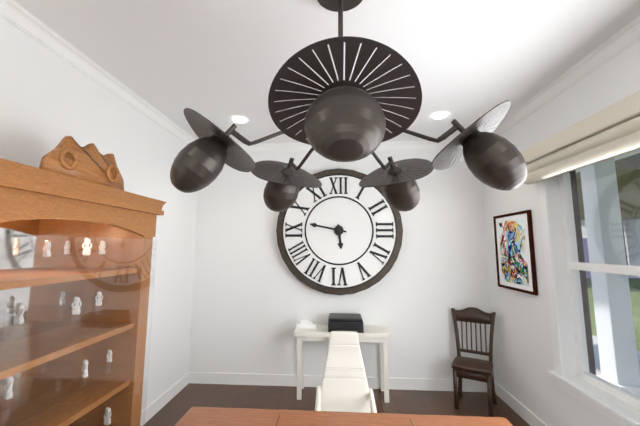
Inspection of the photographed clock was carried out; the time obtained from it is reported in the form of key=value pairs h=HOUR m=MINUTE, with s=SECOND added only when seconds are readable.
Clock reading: h=5 m=47
